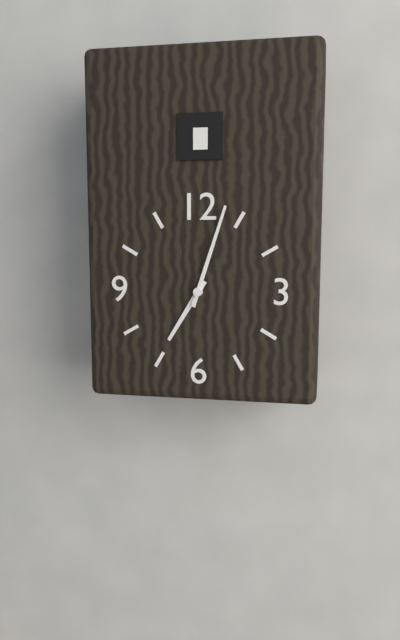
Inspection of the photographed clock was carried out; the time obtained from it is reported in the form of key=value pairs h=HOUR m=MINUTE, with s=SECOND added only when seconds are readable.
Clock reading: h=7 m=3
